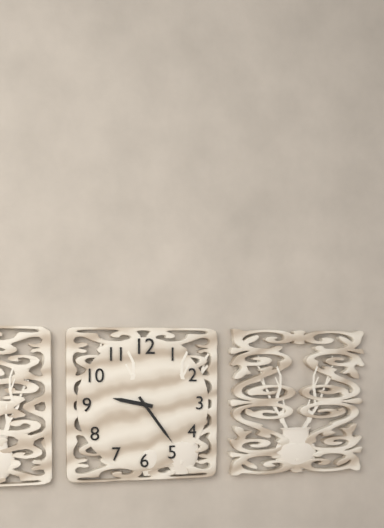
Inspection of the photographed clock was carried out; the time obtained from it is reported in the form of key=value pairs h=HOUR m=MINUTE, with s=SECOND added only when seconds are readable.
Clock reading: h=9 m=24
